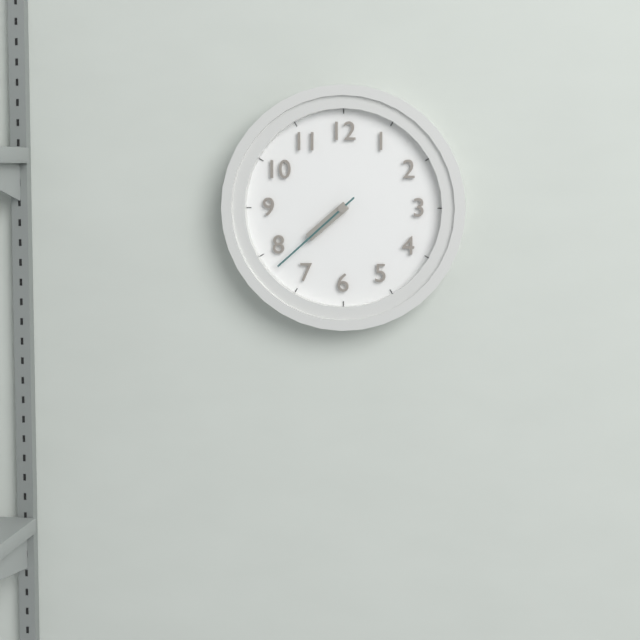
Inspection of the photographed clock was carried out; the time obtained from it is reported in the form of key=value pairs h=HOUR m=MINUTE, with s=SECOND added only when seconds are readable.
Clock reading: h=7 m=38
